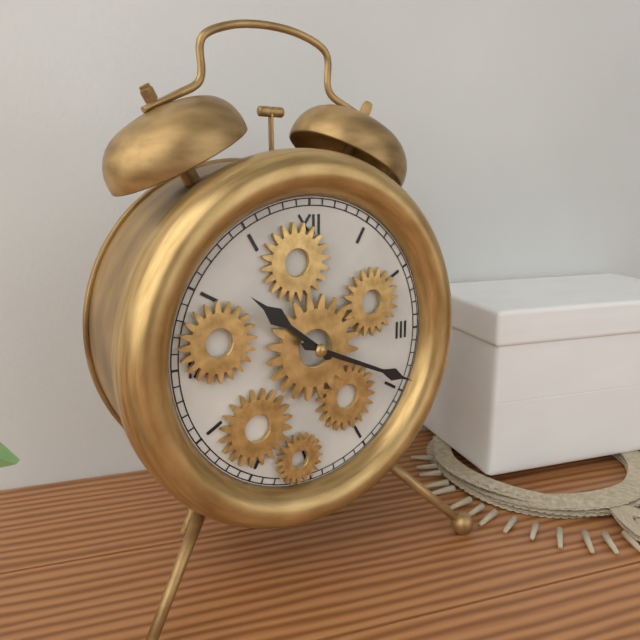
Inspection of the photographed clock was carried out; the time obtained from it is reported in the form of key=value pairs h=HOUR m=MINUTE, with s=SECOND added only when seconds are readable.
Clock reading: h=10 m=19
